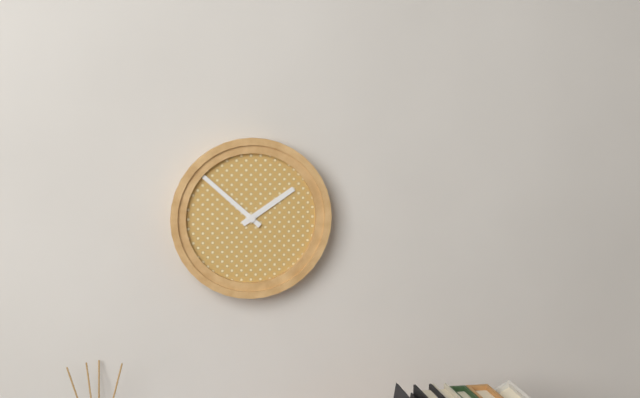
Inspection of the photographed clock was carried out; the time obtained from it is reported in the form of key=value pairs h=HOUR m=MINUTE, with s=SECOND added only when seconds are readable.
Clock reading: h=1 m=52
